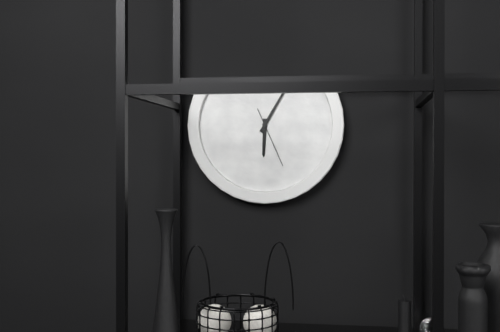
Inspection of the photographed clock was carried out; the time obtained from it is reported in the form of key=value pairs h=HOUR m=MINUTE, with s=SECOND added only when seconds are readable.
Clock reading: h=6 m=5 s=26
